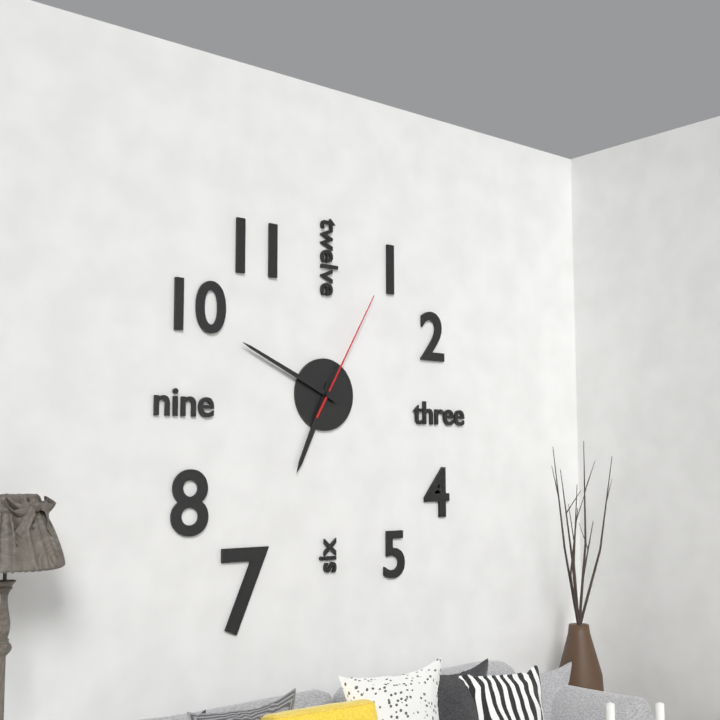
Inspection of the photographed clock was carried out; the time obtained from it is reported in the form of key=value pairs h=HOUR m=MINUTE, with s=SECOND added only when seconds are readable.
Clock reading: h=6 m=49 s=5
